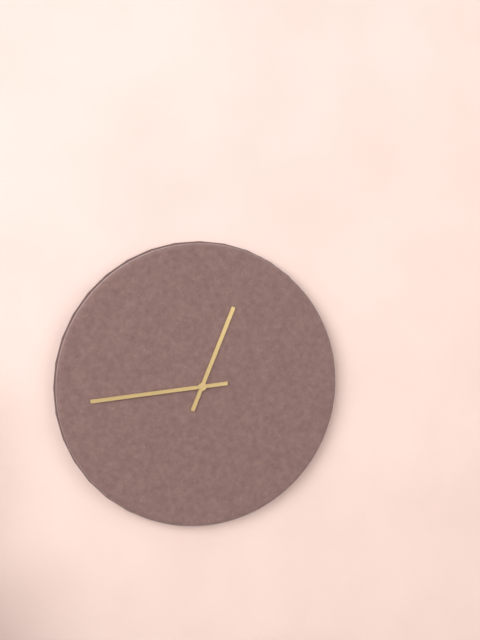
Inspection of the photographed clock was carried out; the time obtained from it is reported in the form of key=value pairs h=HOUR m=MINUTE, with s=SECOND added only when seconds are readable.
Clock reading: h=12 m=44
